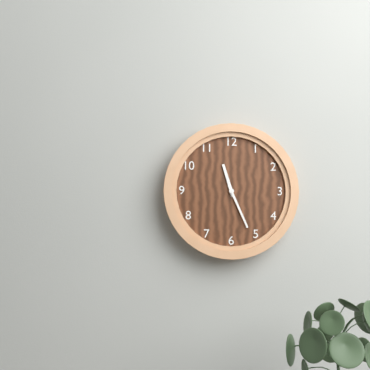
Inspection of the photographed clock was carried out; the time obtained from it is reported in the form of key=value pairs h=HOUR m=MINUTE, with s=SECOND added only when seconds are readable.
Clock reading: h=11 m=26
